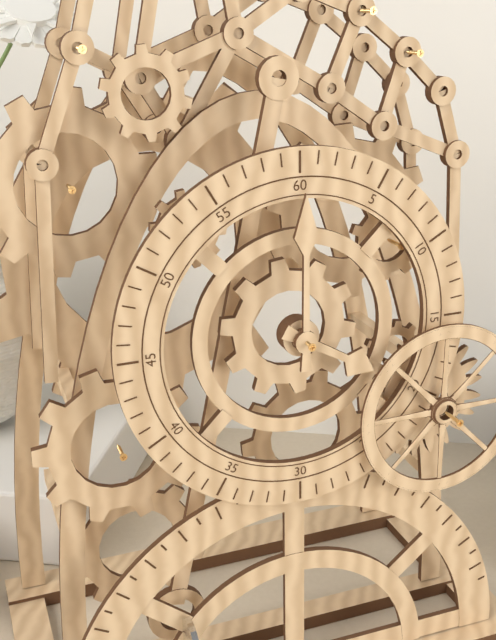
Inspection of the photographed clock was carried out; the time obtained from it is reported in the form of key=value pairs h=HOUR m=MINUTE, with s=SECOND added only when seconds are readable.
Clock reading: h=4 m=0
